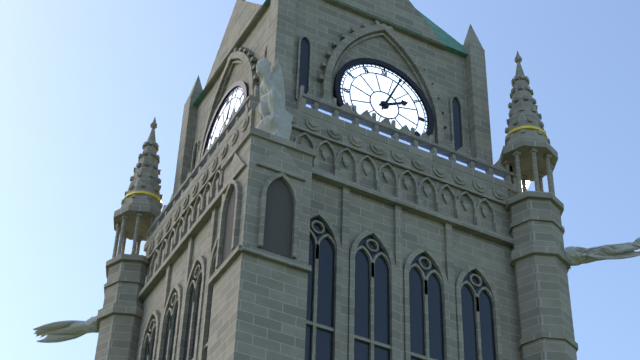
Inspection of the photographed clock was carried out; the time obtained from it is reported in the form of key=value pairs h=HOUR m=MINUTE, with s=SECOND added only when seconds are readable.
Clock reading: h=2 m=4
